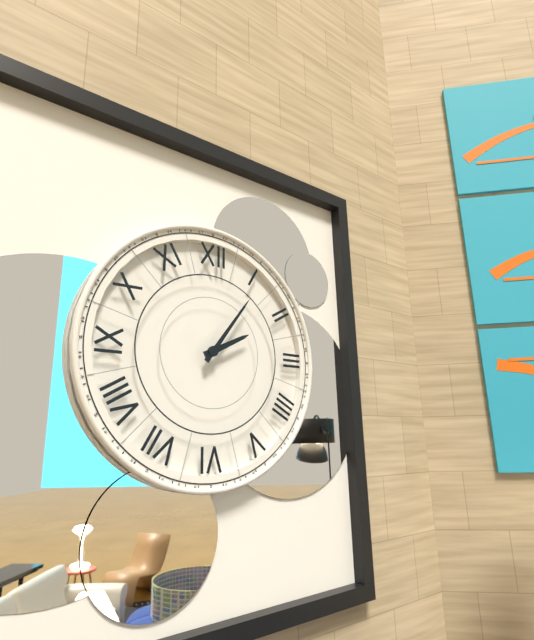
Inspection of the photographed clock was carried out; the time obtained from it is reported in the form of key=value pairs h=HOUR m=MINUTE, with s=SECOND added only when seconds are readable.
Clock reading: h=2 m=6
